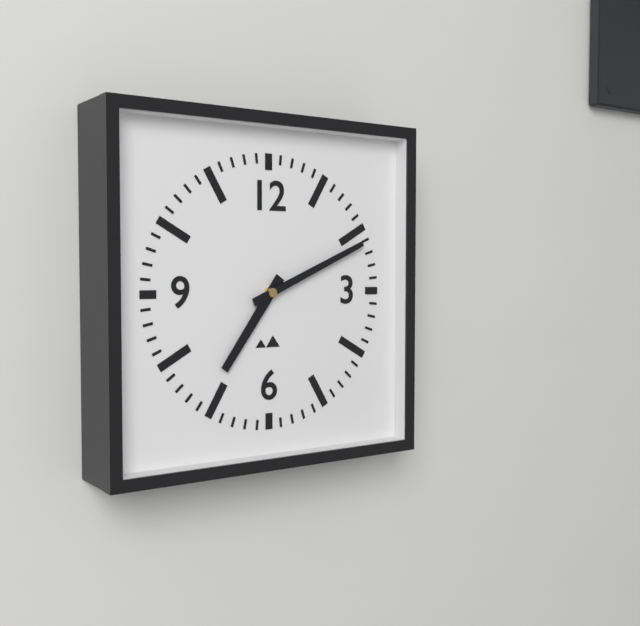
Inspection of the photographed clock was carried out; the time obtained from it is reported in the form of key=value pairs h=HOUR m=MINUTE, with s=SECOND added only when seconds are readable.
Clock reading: h=7 m=11
